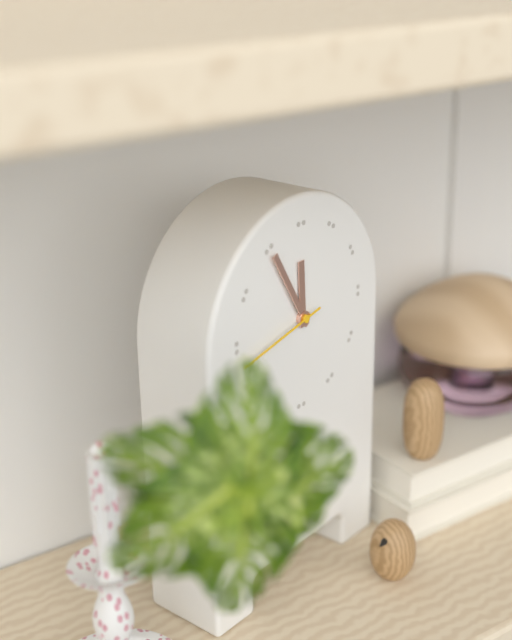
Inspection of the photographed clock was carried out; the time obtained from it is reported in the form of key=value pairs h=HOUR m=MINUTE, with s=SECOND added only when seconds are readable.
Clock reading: h=11 m=55 s=43
